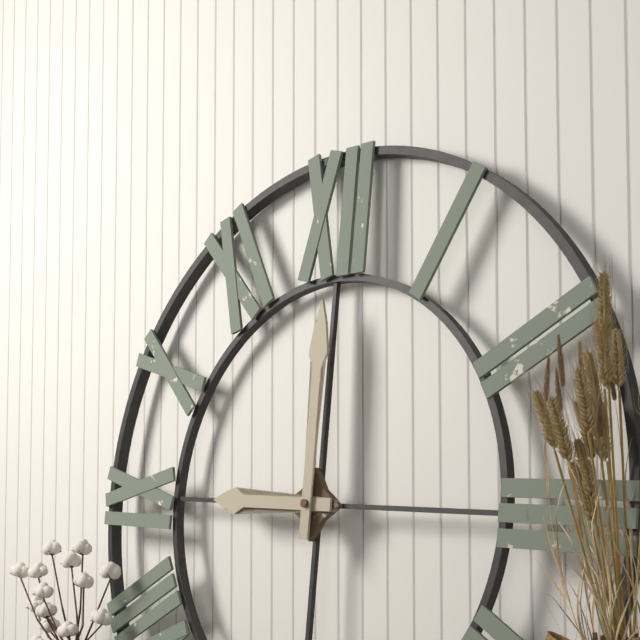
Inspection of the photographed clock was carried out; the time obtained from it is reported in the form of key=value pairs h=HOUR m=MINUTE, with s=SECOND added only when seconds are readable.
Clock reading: h=9 m=0
